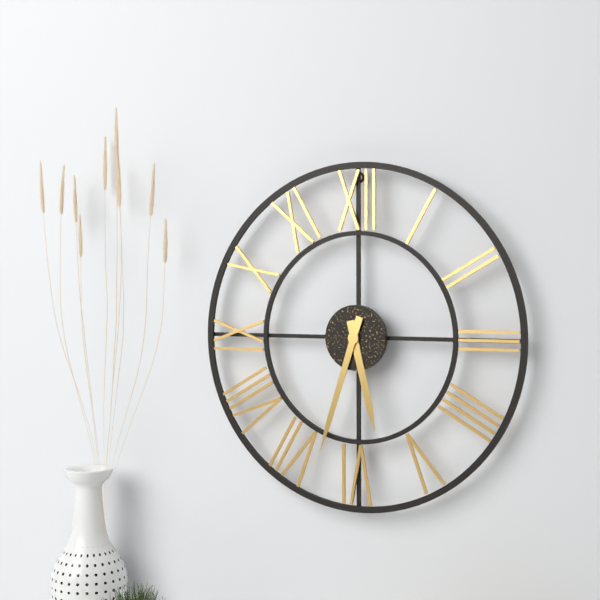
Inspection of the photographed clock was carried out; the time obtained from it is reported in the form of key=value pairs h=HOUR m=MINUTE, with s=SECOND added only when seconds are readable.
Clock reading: h=5 m=33
